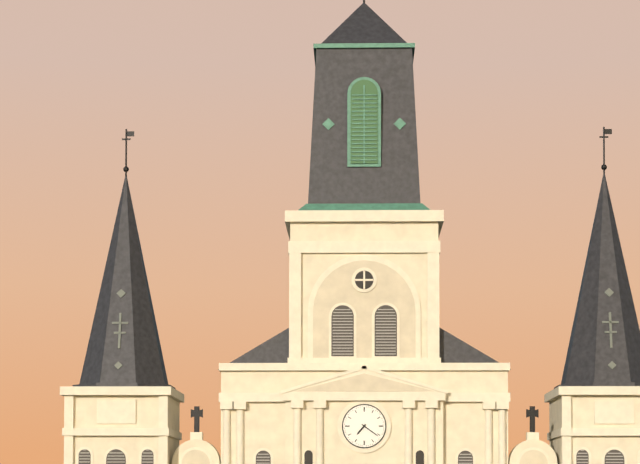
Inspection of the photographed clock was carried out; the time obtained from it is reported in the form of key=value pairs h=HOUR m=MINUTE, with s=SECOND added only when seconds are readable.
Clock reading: h=7 m=21
